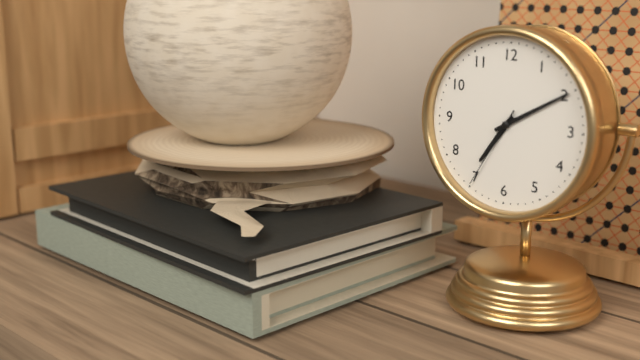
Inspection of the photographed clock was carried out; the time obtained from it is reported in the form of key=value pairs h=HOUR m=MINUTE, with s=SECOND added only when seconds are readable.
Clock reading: h=7 m=10 s=35
